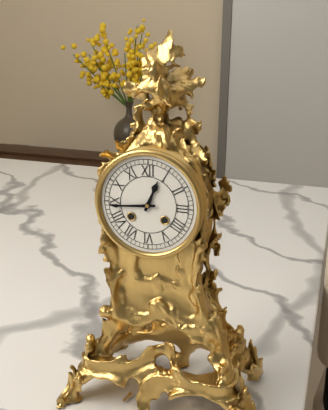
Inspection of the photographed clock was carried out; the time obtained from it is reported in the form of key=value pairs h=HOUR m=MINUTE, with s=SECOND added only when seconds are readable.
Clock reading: h=12 m=44
